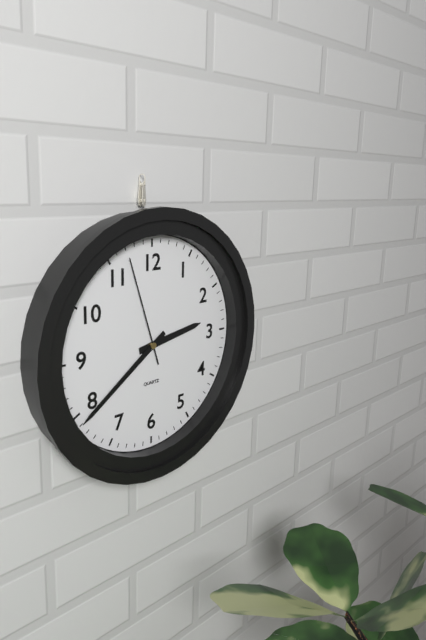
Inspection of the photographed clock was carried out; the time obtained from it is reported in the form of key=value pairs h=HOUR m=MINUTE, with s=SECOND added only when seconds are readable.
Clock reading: h=2 m=39 s=57
